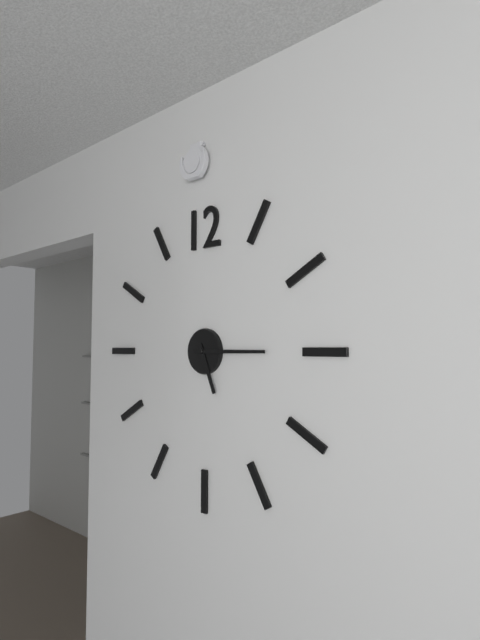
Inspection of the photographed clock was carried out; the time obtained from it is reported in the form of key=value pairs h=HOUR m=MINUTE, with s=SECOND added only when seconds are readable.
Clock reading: h=5 m=15
